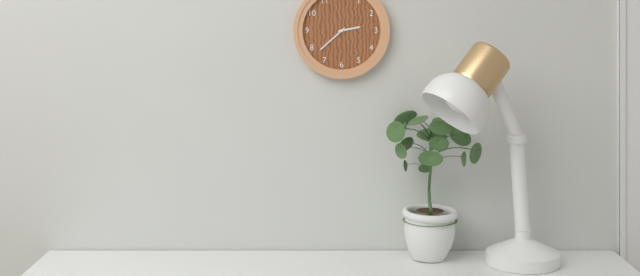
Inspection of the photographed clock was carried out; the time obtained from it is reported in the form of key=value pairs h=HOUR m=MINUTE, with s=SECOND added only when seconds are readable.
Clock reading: h=2 m=38
